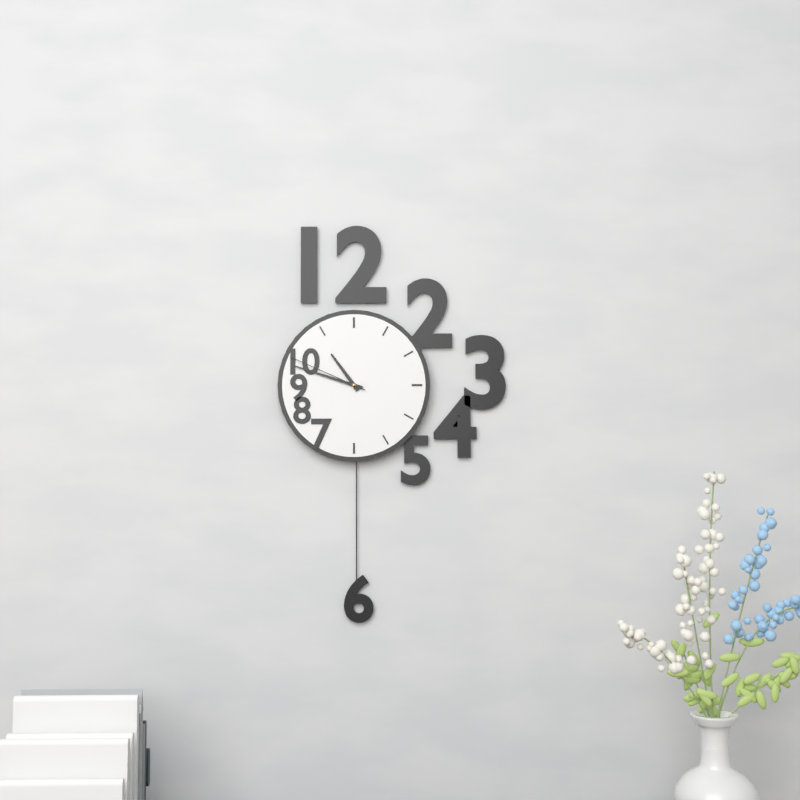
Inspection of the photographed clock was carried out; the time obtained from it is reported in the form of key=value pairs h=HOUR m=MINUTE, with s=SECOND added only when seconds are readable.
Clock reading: h=10 m=48 s=49
